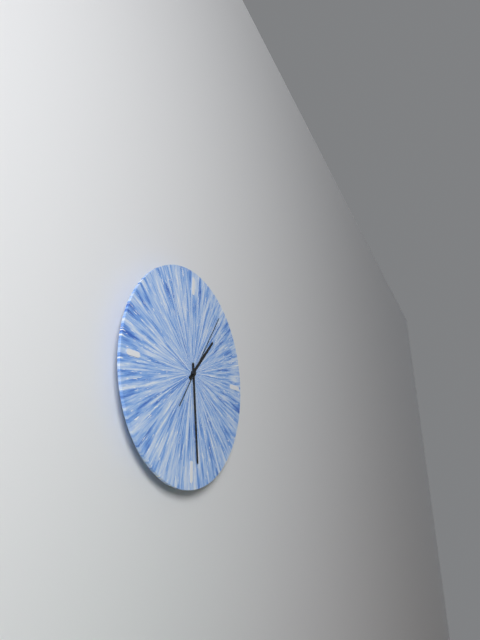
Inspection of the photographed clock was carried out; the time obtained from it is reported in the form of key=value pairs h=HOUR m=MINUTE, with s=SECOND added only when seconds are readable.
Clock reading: h=1 m=29 s=6
